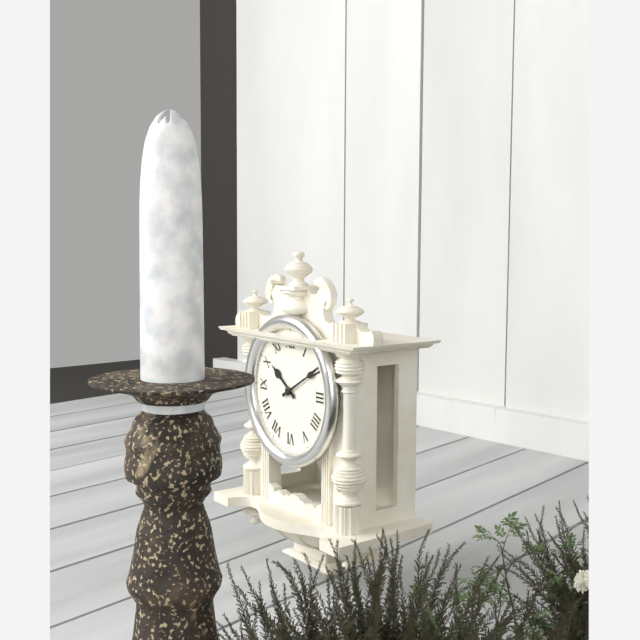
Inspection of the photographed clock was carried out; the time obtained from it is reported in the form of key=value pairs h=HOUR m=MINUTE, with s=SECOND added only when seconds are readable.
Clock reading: h=10 m=10
